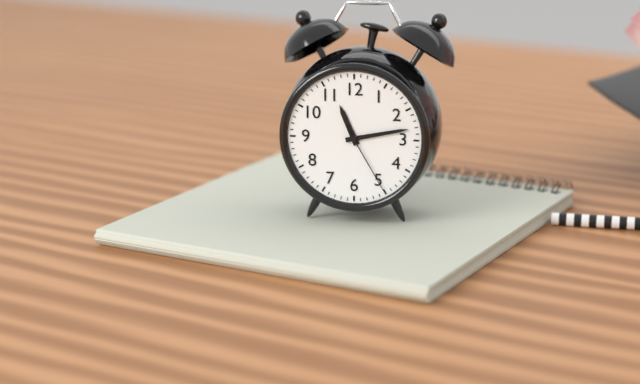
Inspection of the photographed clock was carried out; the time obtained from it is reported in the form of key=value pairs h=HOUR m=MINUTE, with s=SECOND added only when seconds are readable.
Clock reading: h=11 m=13 s=25
